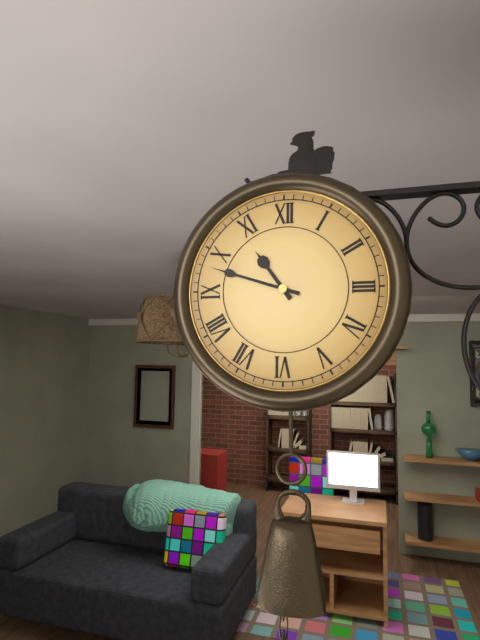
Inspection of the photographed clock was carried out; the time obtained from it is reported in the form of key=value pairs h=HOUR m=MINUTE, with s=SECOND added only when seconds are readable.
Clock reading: h=10 m=48
